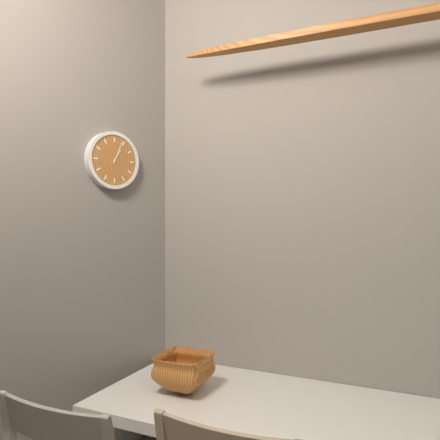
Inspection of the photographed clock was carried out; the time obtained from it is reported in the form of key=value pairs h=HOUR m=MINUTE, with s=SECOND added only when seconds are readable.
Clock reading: h=1 m=4
